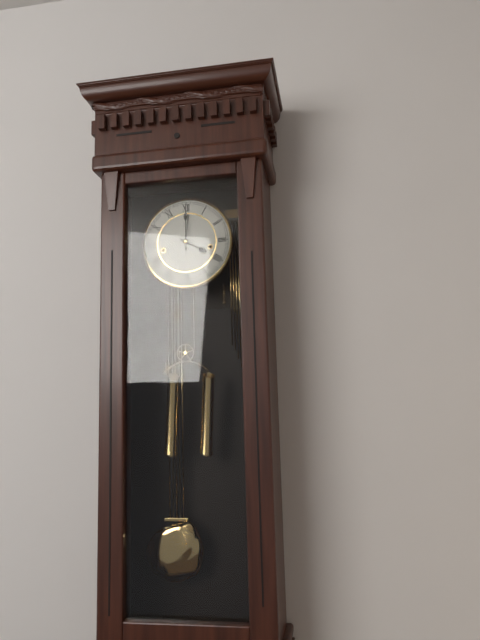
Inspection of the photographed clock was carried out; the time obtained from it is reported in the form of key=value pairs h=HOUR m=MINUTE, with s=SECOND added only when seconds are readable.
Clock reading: h=4 m=0
